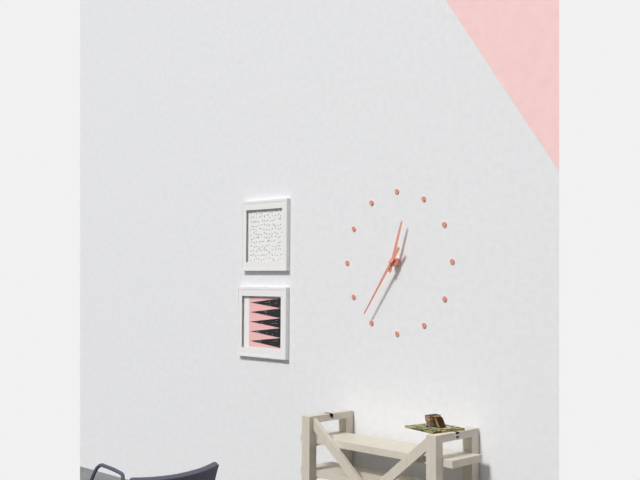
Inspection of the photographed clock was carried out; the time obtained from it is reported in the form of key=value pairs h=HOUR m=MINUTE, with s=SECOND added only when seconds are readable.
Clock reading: h=12 m=36
